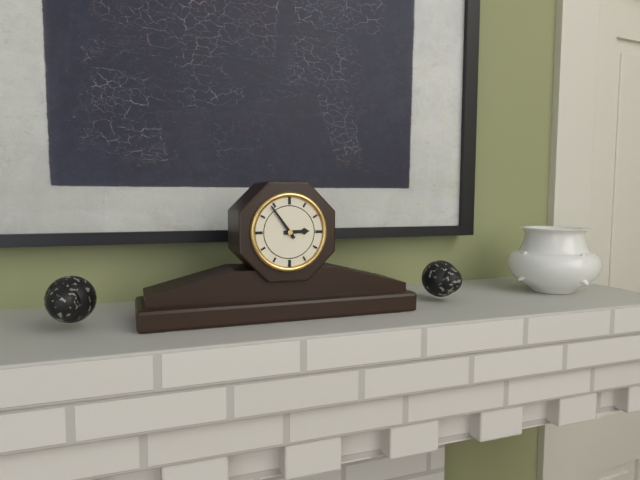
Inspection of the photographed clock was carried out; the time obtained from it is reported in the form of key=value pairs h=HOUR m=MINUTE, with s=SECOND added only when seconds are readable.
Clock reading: h=2 m=54
